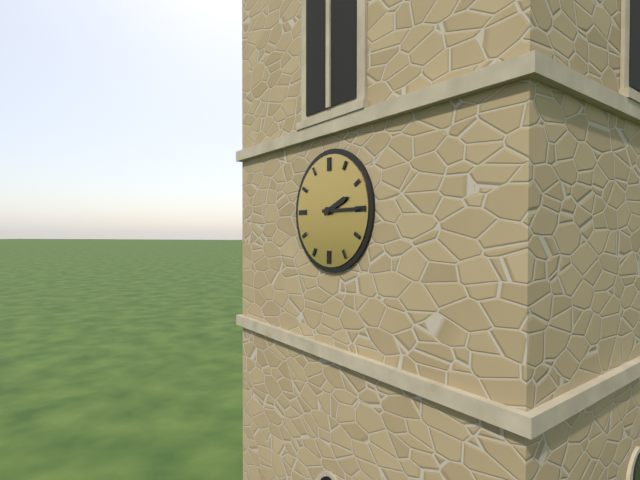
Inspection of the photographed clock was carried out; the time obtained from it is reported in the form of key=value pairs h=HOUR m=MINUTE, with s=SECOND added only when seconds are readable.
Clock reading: h=2 m=15
